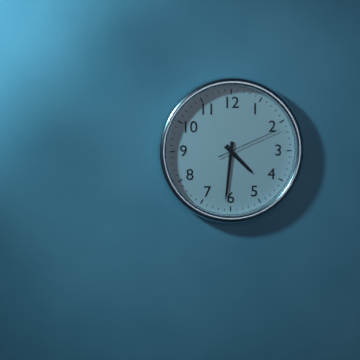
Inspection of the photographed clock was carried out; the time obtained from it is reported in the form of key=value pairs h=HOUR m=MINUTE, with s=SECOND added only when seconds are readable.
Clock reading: h=4 m=31 s=11
